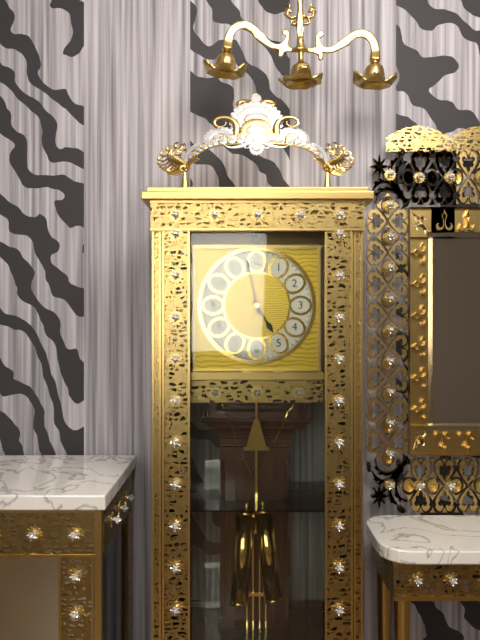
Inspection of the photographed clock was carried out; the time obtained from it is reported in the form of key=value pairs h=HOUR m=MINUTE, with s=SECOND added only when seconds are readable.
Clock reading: h=4 m=58 s=2
